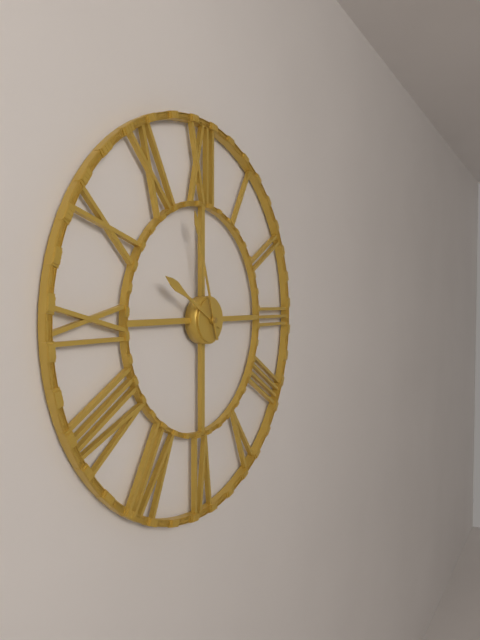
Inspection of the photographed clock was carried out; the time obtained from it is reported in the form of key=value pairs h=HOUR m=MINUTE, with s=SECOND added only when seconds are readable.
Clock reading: h=9 m=57
